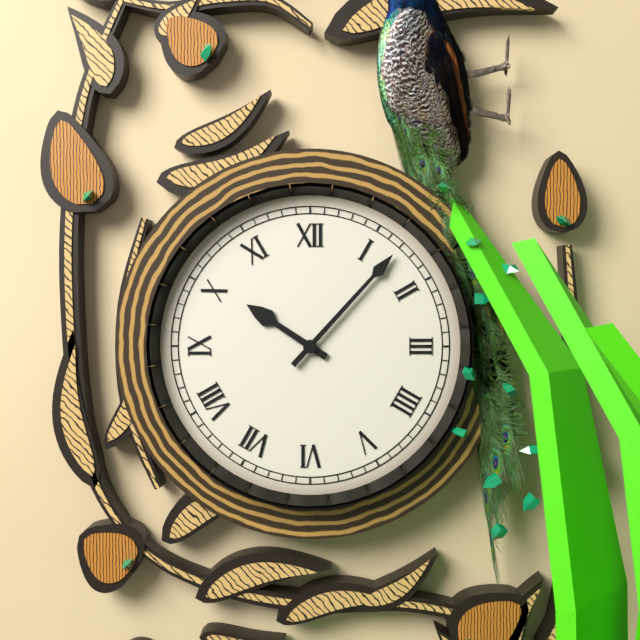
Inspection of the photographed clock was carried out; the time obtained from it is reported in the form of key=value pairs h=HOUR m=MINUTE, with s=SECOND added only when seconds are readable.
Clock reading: h=10 m=7
